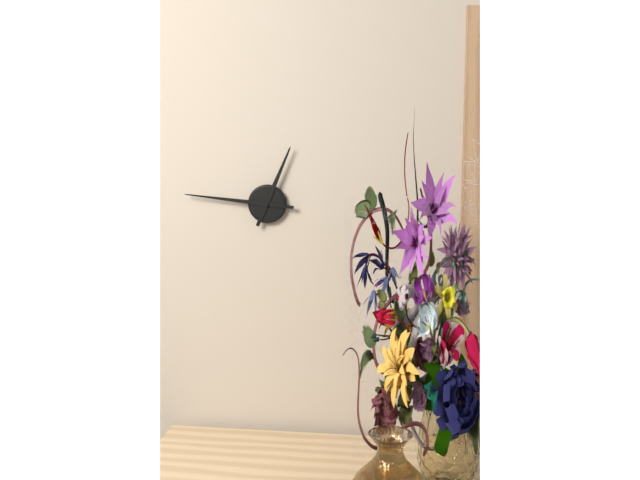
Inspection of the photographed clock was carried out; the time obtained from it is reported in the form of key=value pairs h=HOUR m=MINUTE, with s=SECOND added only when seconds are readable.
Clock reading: h=12 m=46
